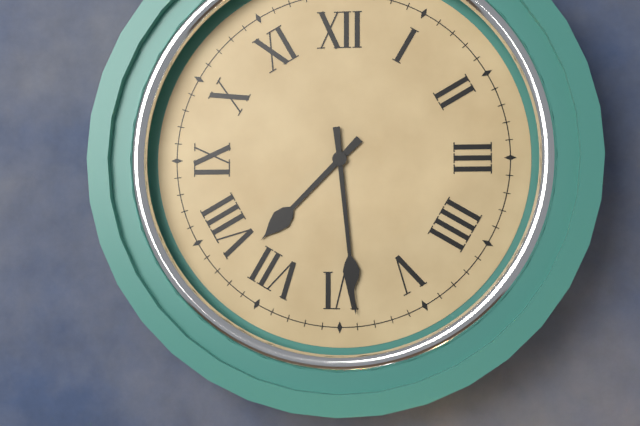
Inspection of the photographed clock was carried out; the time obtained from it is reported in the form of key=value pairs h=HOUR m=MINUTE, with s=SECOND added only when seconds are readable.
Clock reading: h=7 m=29
